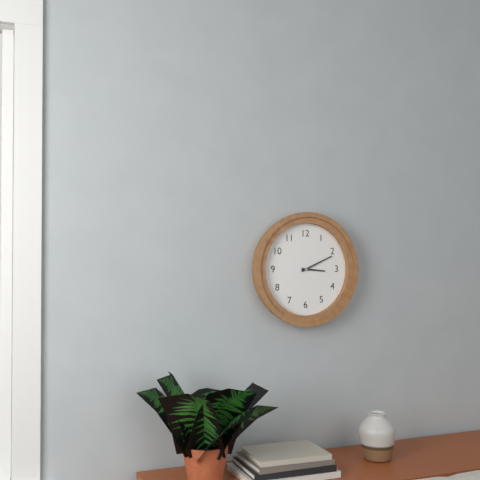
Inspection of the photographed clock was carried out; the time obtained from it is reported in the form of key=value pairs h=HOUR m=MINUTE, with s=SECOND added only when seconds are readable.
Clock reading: h=3 m=11
